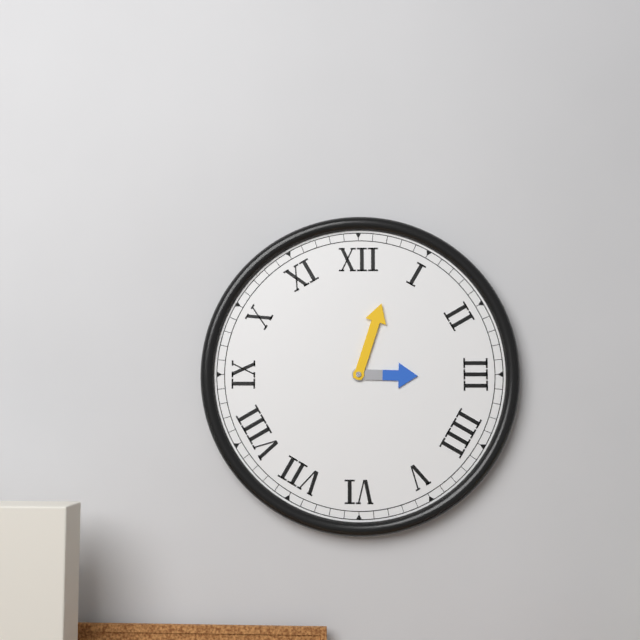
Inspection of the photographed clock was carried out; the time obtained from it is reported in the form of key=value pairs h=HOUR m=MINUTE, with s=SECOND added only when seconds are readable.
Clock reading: h=3 m=3
